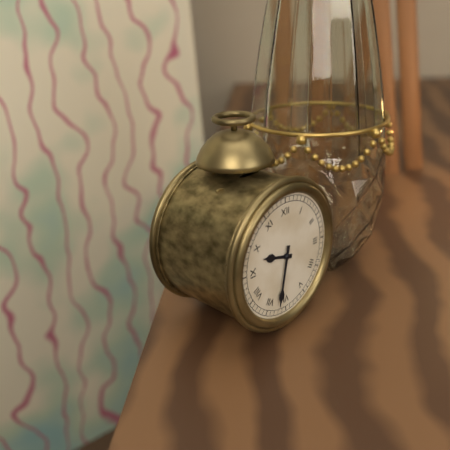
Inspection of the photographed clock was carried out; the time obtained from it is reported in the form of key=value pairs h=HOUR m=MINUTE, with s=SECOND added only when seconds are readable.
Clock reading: h=9 m=32
